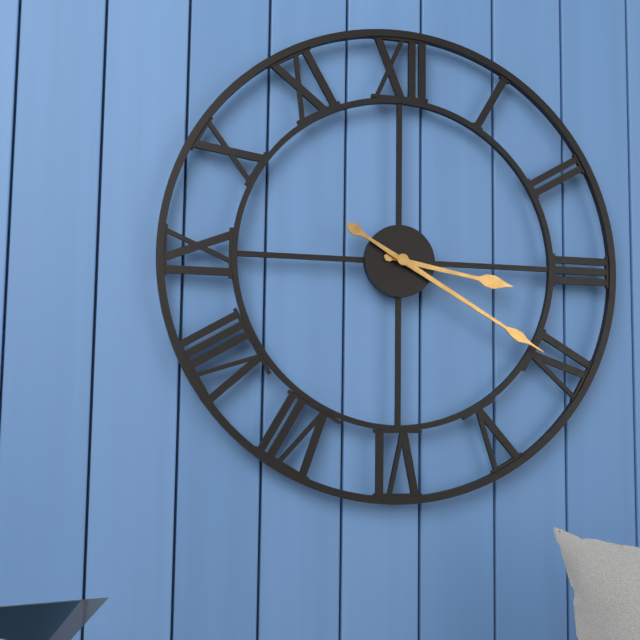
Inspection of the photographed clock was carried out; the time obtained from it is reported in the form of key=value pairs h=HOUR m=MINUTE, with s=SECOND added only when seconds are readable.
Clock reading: h=3 m=20
